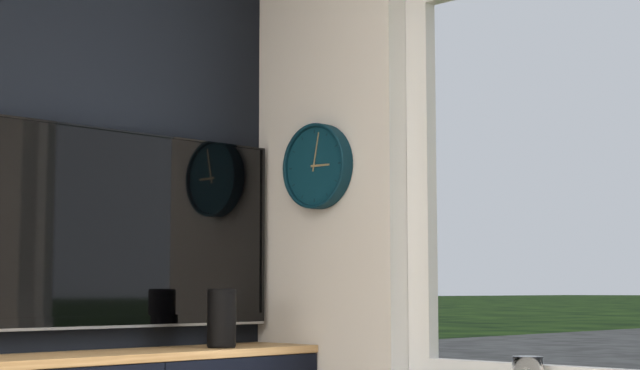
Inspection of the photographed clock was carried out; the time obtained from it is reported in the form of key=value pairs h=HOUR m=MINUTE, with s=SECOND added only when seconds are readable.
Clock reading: h=3 m=2
